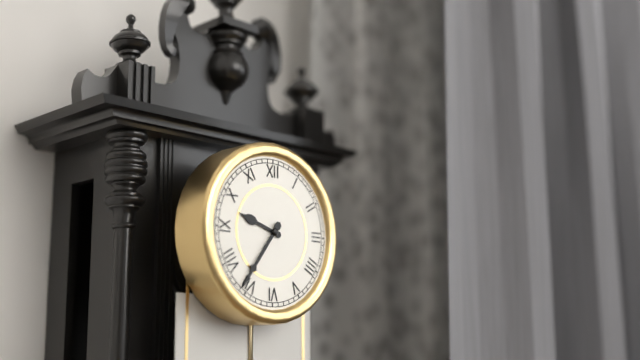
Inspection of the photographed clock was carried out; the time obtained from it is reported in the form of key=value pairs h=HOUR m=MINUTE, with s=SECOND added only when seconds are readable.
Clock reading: h=9 m=36
